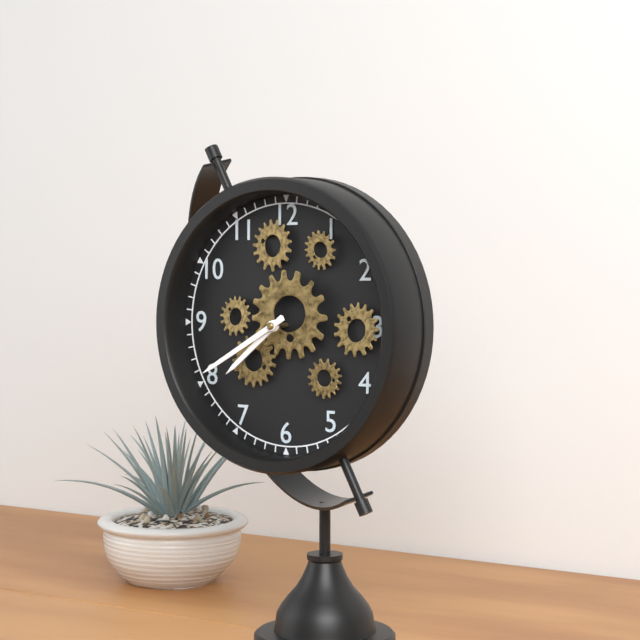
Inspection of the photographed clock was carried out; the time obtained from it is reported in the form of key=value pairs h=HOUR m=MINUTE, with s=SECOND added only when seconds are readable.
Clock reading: h=7 m=40
